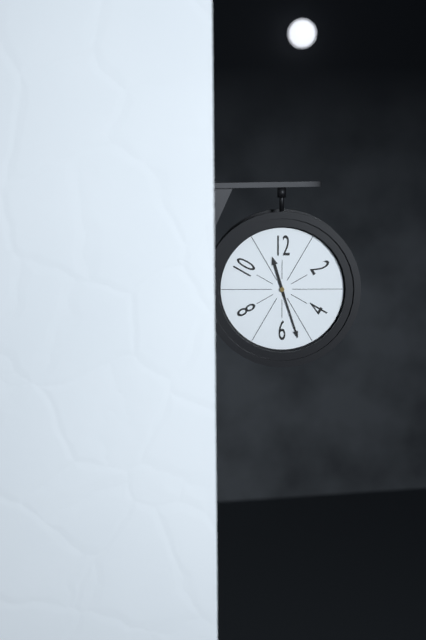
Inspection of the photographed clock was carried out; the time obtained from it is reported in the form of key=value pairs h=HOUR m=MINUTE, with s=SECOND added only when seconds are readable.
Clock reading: h=11 m=27
